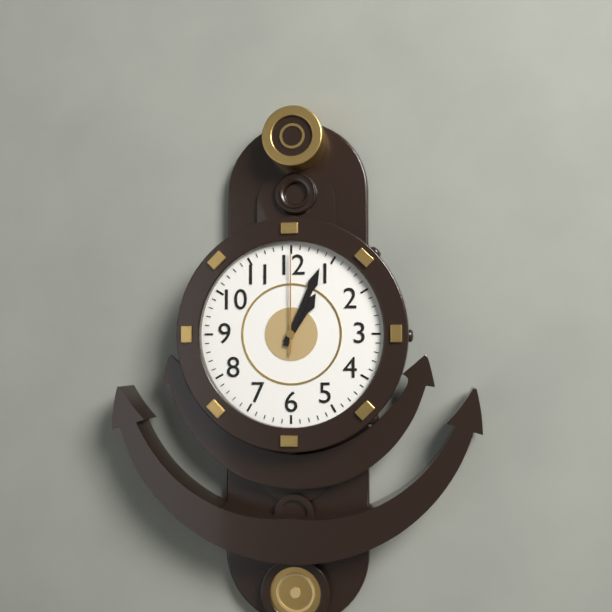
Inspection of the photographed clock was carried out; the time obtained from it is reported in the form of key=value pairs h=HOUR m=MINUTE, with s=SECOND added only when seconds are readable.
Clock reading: h=1 m=4 s=0
